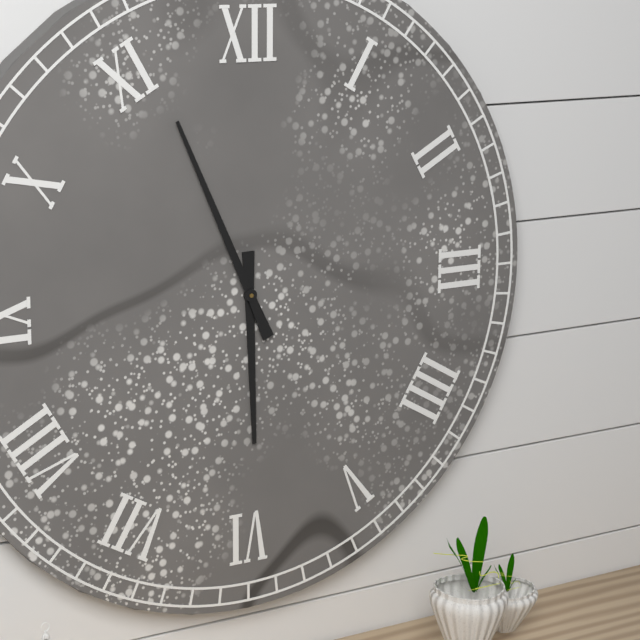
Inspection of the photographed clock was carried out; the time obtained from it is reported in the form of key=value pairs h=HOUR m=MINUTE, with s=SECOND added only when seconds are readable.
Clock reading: h=5 m=56
